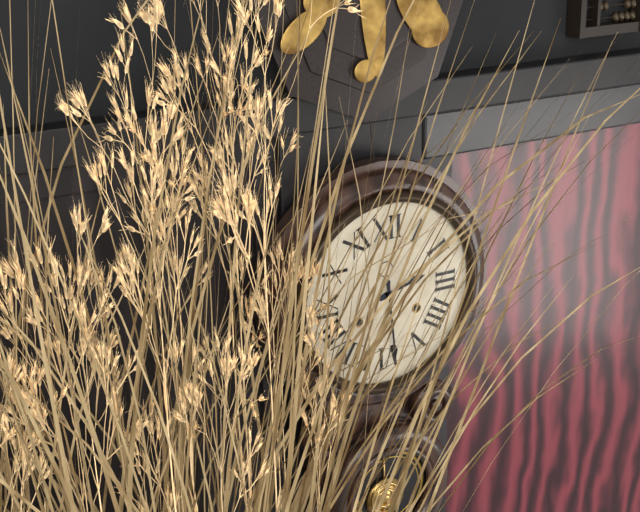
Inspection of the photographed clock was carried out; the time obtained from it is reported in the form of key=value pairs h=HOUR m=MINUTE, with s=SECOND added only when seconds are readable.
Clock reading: h=2 m=29
